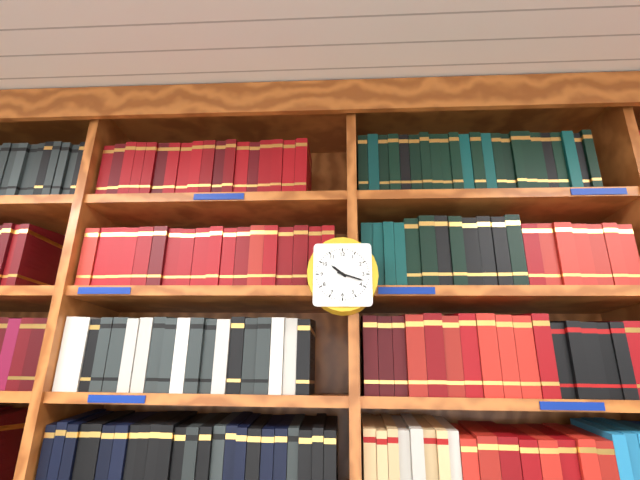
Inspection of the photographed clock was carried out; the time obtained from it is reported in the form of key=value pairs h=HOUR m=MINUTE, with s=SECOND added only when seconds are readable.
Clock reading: h=10 m=18
